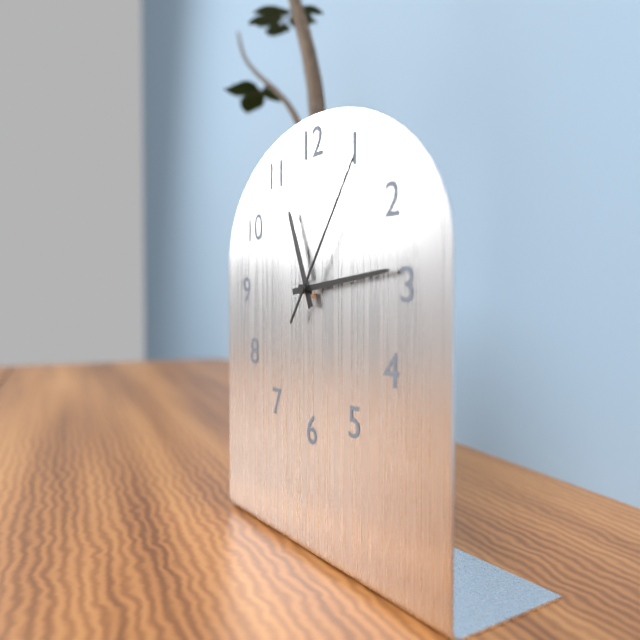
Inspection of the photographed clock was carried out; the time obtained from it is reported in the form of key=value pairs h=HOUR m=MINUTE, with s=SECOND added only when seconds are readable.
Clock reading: h=11 m=14 s=6
